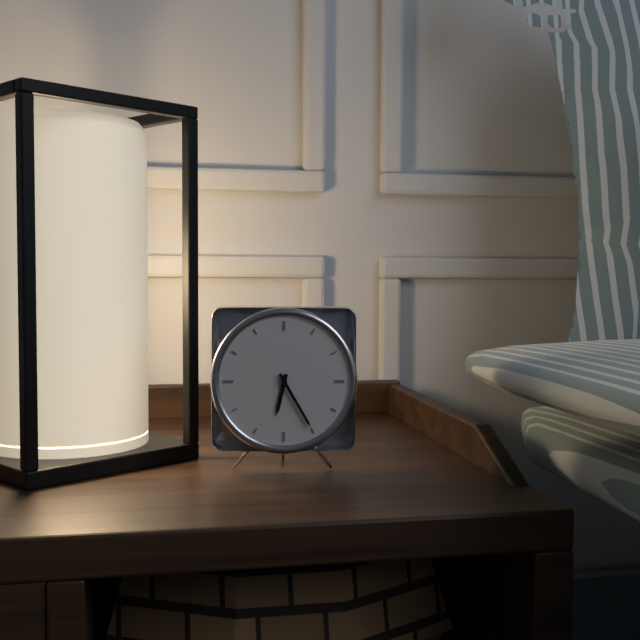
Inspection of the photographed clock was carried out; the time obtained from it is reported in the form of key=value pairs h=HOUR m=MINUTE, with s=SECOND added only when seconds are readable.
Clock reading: h=6 m=25
